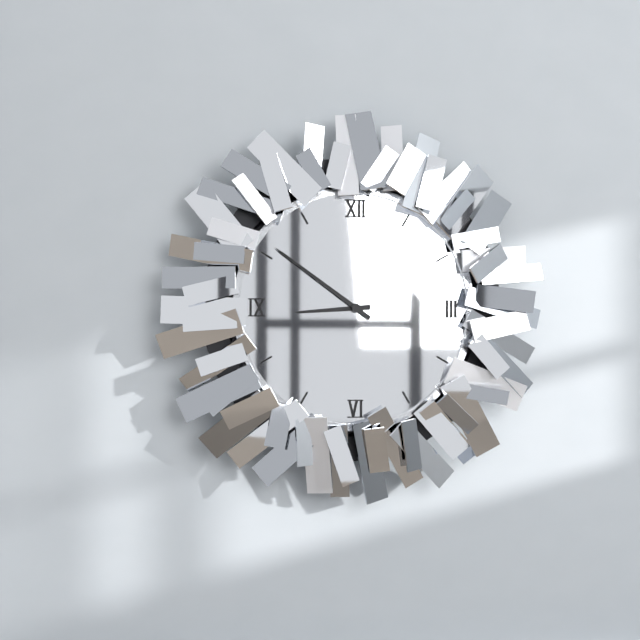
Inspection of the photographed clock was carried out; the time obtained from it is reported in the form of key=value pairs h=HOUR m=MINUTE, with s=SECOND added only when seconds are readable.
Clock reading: h=8 m=51
